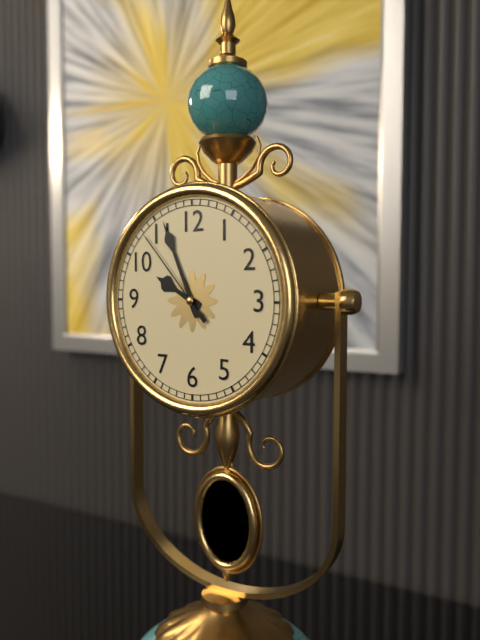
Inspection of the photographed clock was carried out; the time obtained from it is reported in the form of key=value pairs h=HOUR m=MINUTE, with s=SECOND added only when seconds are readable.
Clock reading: h=9 m=56 s=53
